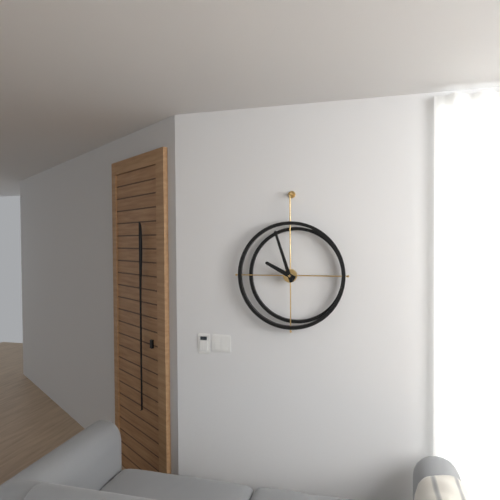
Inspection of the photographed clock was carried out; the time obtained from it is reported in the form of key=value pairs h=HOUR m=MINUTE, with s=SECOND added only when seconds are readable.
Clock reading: h=9 m=57
